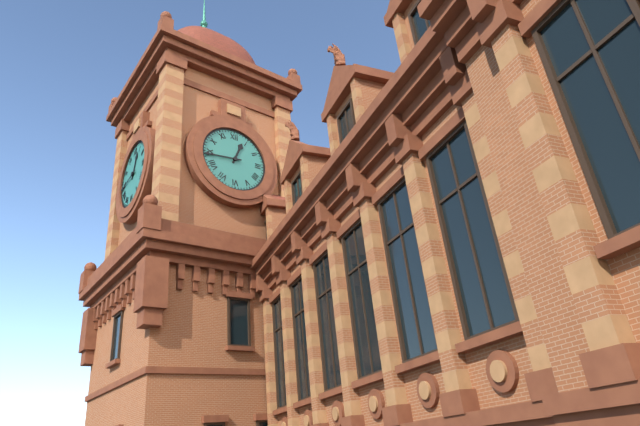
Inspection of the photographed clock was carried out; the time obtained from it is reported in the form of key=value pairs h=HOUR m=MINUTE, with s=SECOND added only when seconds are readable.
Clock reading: h=12 m=44
